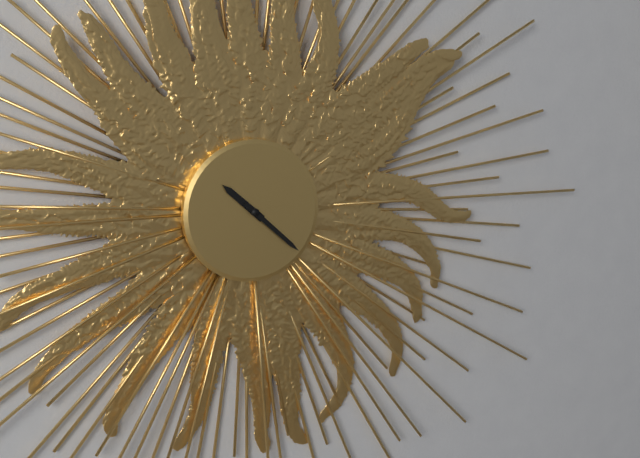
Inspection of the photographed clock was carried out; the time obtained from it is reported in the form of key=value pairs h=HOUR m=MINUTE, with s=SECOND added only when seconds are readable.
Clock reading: h=10 m=22
